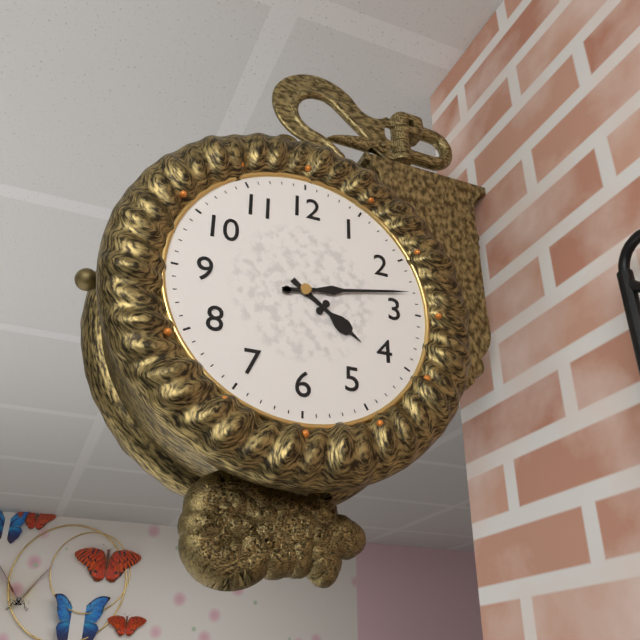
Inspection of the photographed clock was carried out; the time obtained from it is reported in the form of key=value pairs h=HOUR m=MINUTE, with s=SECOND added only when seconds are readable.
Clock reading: h=4 m=13
